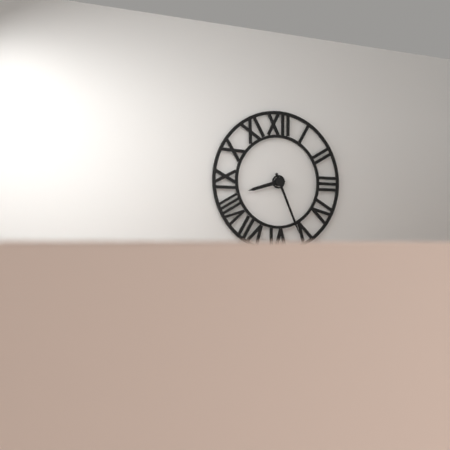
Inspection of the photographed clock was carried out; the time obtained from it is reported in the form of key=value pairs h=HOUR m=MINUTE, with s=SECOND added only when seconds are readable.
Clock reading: h=8 m=26
